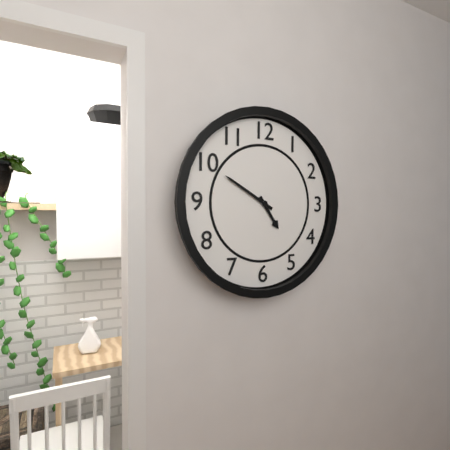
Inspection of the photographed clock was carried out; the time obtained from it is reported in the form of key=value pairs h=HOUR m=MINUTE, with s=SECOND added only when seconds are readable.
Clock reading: h=4 m=50
